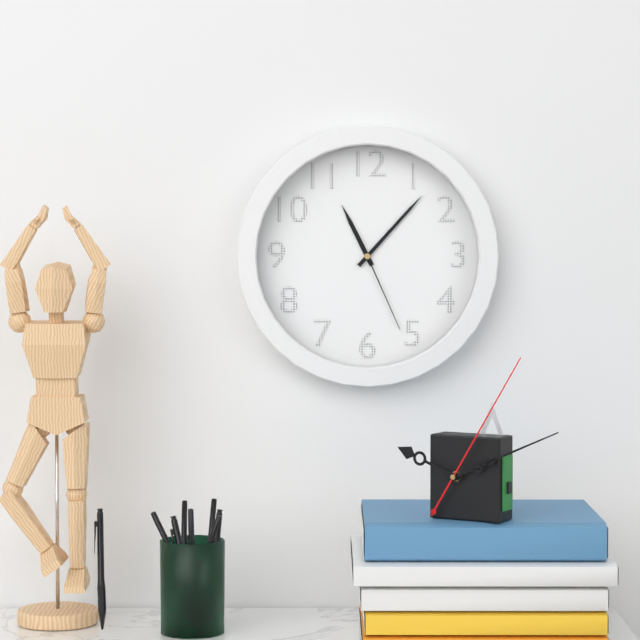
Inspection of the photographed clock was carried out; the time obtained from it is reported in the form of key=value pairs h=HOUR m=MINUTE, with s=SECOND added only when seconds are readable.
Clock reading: h=11 m=7 s=26
